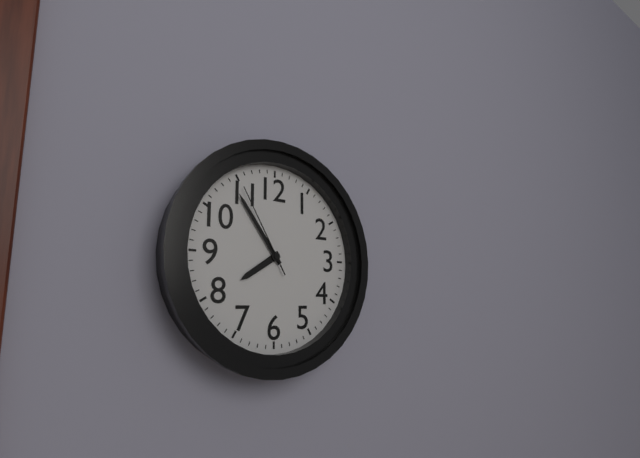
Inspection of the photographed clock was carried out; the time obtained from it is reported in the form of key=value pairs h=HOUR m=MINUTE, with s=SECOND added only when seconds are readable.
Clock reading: h=7 m=54 s=55
